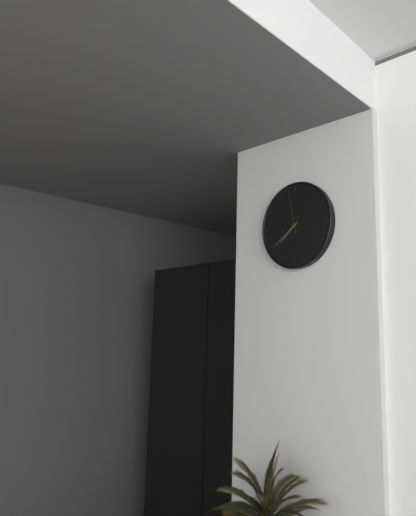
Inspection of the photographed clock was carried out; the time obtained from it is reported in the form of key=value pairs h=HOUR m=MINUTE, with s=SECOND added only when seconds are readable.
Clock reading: h=7 m=39
